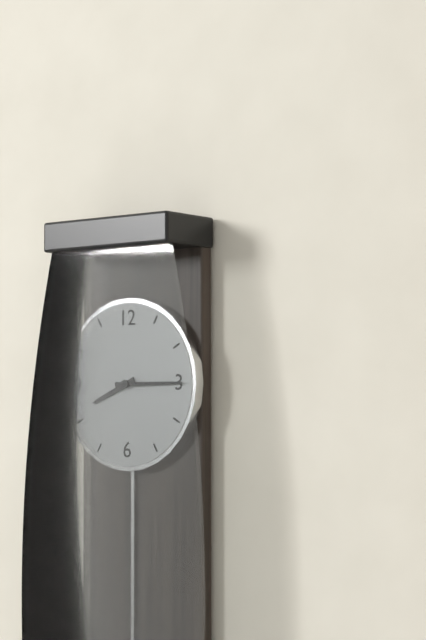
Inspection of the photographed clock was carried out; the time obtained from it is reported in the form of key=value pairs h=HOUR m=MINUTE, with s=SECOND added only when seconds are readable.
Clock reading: h=8 m=15
